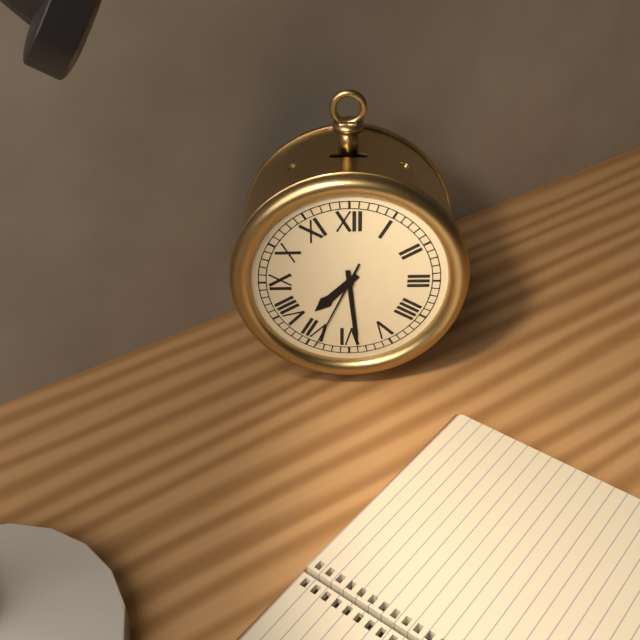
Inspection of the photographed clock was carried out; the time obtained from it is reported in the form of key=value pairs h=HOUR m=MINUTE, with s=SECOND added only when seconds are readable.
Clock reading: h=7 m=29 s=34
